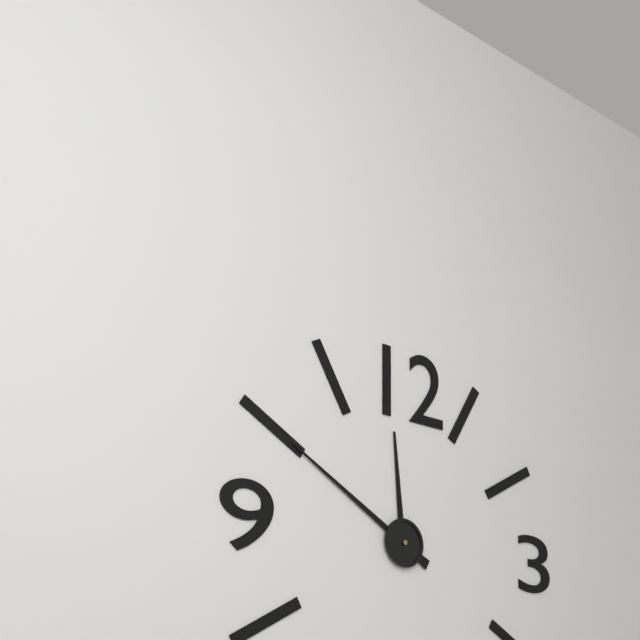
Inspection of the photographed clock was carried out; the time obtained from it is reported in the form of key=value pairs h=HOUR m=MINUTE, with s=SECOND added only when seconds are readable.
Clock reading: h=11 m=50
